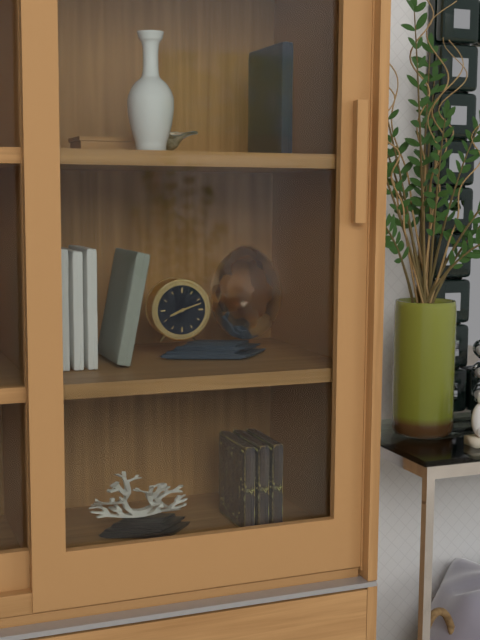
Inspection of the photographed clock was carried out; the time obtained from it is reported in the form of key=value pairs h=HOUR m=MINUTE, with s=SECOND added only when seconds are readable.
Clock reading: h=8 m=12
